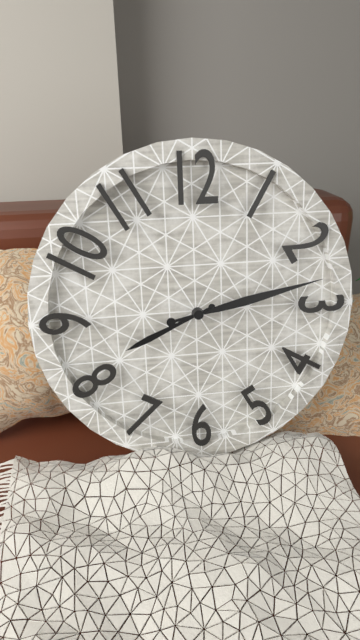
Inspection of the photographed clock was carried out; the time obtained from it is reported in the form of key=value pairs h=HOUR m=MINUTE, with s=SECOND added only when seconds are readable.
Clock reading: h=8 m=13
